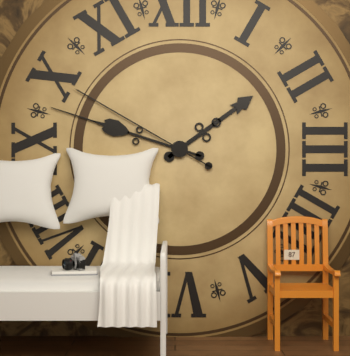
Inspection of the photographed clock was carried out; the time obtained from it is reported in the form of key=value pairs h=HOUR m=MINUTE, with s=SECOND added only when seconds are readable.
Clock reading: h=1 m=48 s=50
